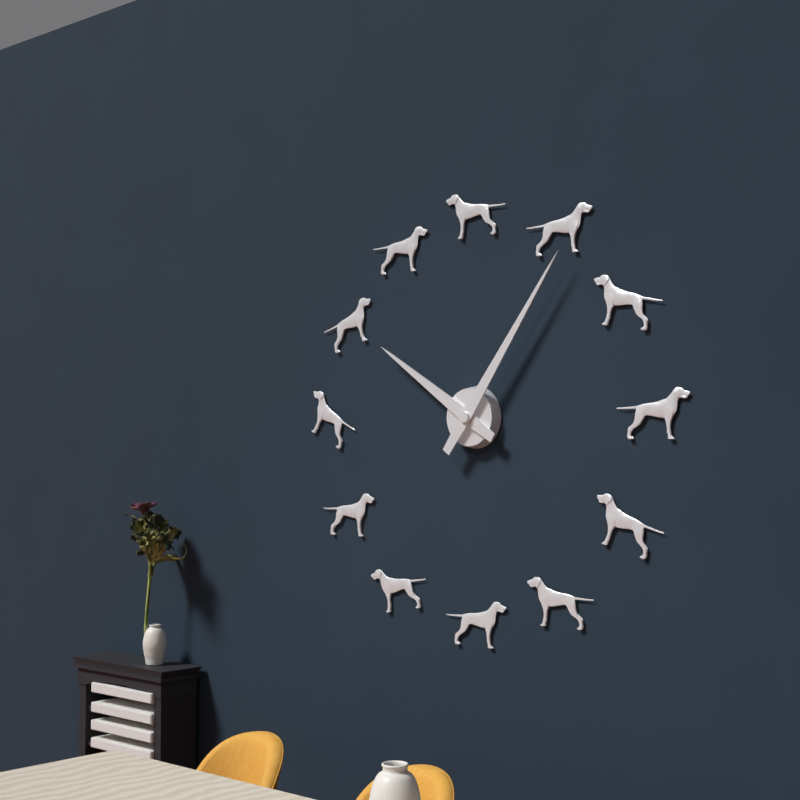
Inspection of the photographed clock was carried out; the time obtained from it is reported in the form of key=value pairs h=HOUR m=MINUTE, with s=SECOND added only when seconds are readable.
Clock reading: h=10 m=6
